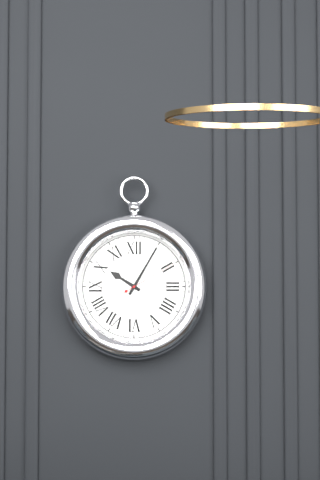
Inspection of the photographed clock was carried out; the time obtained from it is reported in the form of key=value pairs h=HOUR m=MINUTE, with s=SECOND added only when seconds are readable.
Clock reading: h=10 m=5 s=10
